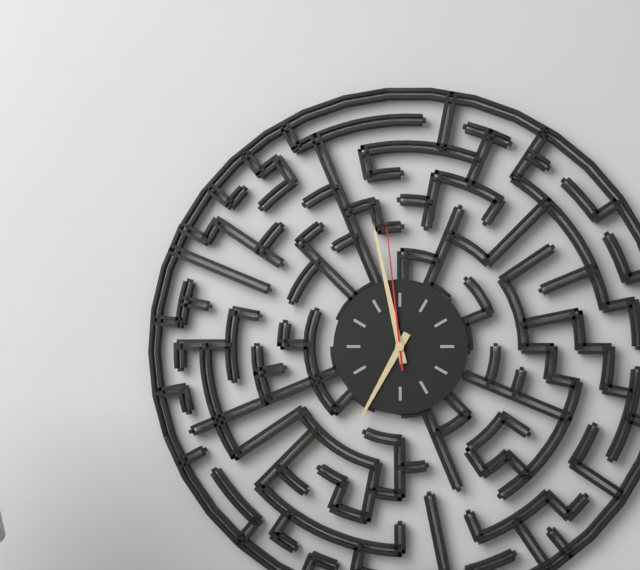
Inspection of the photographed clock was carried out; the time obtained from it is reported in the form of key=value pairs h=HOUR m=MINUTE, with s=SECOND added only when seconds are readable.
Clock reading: h=6 m=58 s=59
